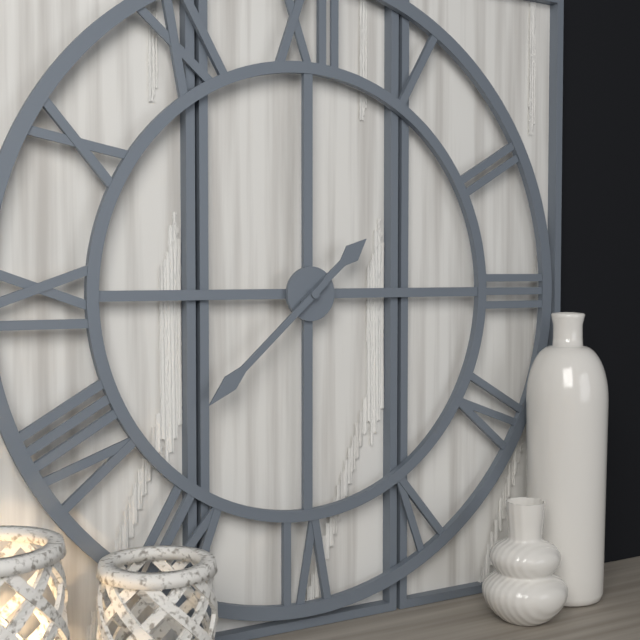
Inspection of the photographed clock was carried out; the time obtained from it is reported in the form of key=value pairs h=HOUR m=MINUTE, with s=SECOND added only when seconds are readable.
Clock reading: h=1 m=38
